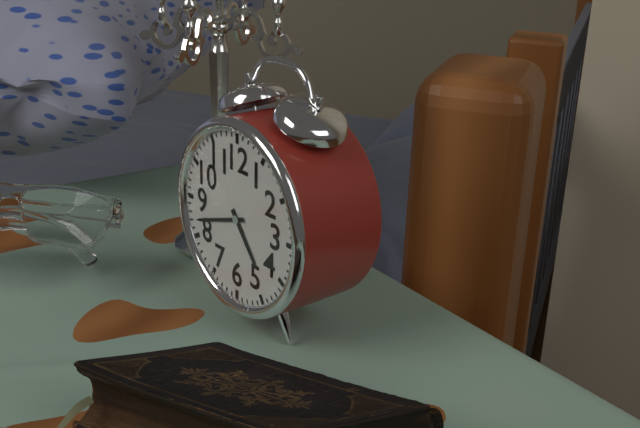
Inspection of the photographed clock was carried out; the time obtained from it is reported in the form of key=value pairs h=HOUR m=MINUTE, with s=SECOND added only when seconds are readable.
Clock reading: h=4 m=42
